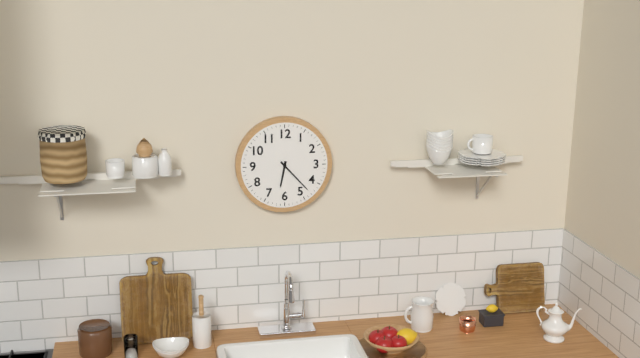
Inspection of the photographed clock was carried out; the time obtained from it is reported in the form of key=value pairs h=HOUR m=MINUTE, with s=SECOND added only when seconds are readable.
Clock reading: h=6 m=23
